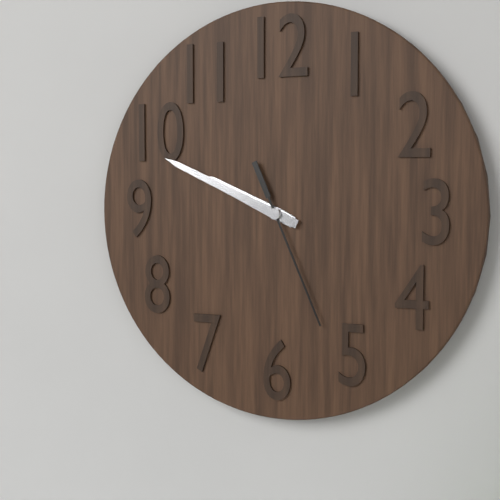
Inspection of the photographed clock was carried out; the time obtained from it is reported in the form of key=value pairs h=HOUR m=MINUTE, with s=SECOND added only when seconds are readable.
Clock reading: h=9 m=49 s=26
